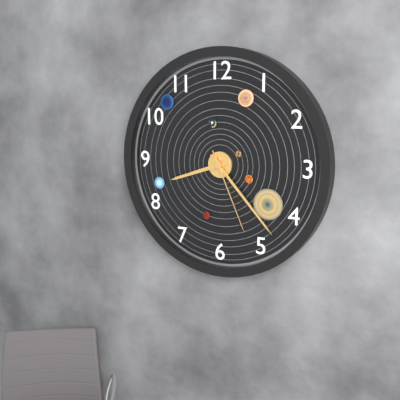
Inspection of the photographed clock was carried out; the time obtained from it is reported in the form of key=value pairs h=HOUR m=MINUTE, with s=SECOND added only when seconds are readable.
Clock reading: h=8 m=23 s=26
